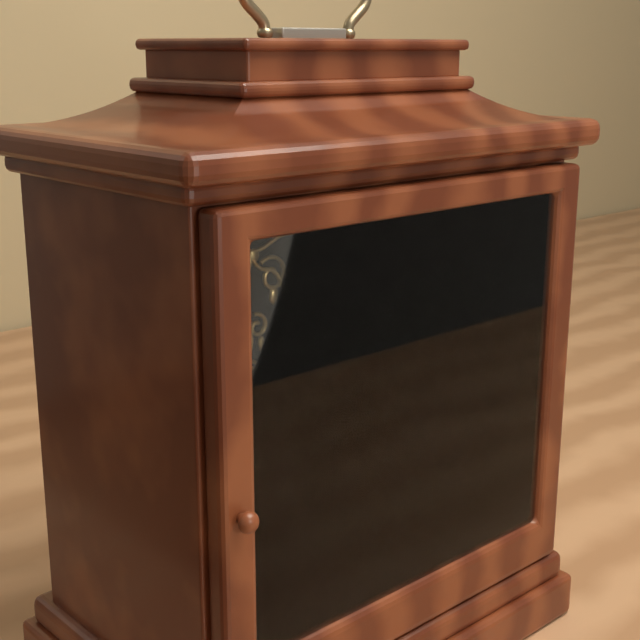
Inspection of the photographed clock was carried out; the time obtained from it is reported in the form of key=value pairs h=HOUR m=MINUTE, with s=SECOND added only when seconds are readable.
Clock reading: h=3 m=2
